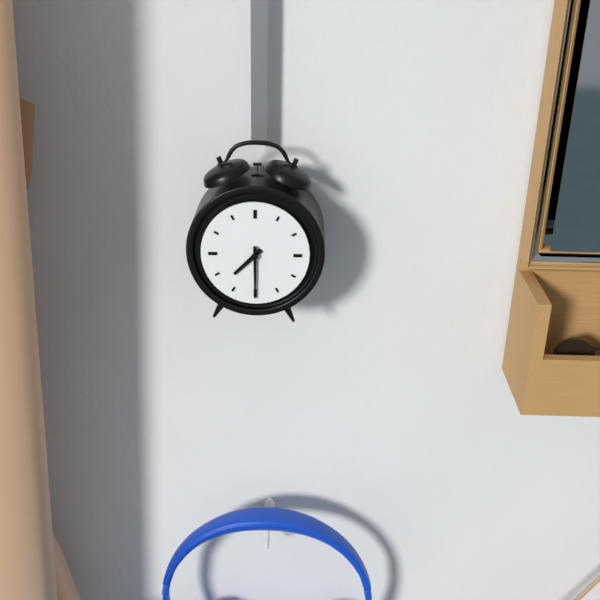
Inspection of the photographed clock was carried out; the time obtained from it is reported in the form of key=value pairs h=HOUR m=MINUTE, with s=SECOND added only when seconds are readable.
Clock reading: h=7 m=30
